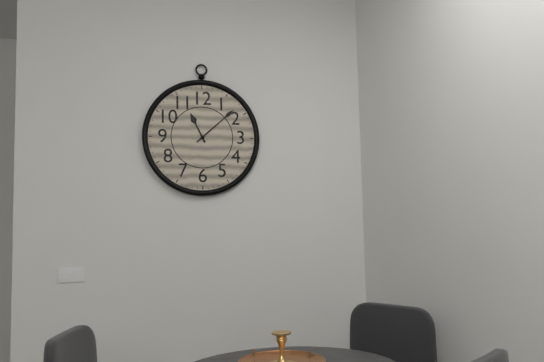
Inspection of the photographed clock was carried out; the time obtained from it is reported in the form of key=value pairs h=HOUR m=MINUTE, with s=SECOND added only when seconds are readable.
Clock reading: h=11 m=8
